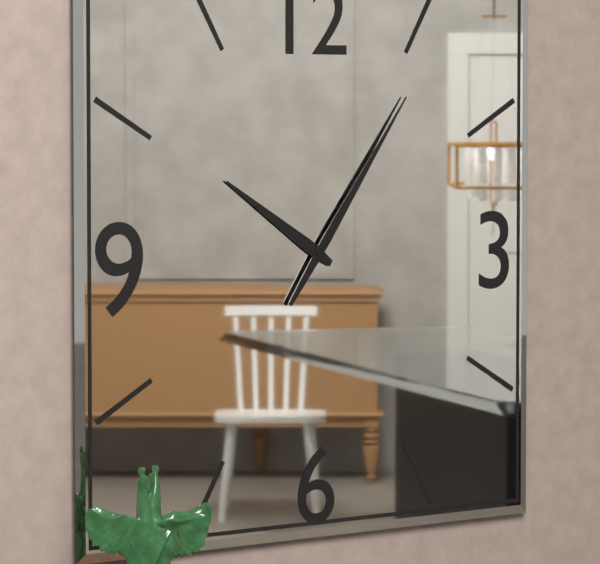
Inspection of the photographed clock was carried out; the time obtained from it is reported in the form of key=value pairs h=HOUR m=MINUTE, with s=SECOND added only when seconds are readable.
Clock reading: h=10 m=6
